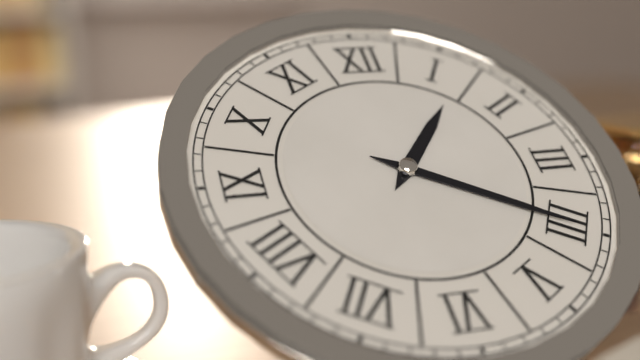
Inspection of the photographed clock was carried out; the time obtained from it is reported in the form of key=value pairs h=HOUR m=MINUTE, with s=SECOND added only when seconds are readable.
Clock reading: h=1 m=20
